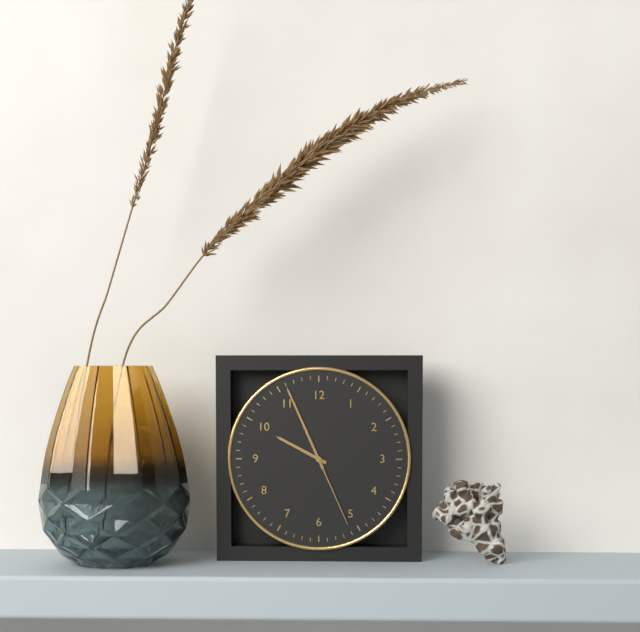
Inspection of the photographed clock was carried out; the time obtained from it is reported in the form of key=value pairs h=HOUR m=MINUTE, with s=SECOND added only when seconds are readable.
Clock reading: h=9 m=56 s=26
